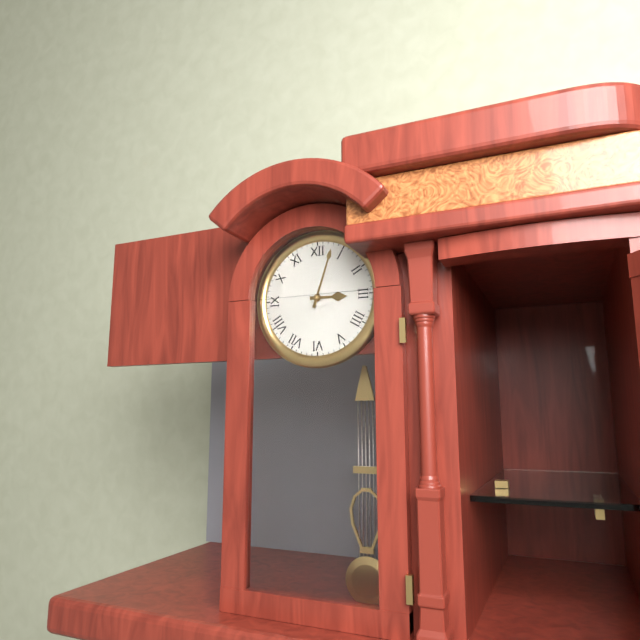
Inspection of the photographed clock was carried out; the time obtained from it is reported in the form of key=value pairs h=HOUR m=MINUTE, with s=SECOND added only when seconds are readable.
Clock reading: h=3 m=3
